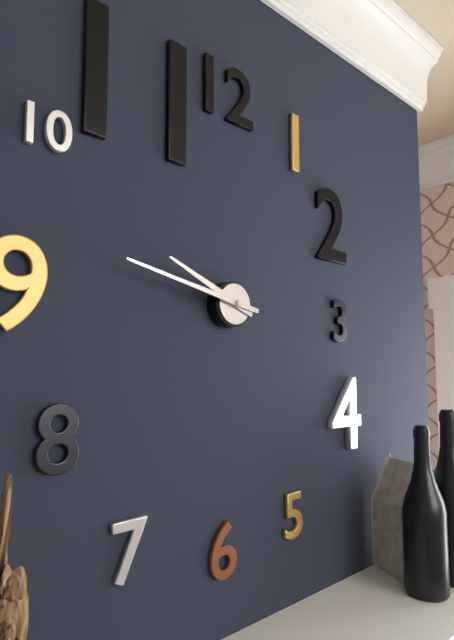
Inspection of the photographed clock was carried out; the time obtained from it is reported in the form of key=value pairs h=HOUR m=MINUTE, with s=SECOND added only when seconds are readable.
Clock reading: h=9 m=47
